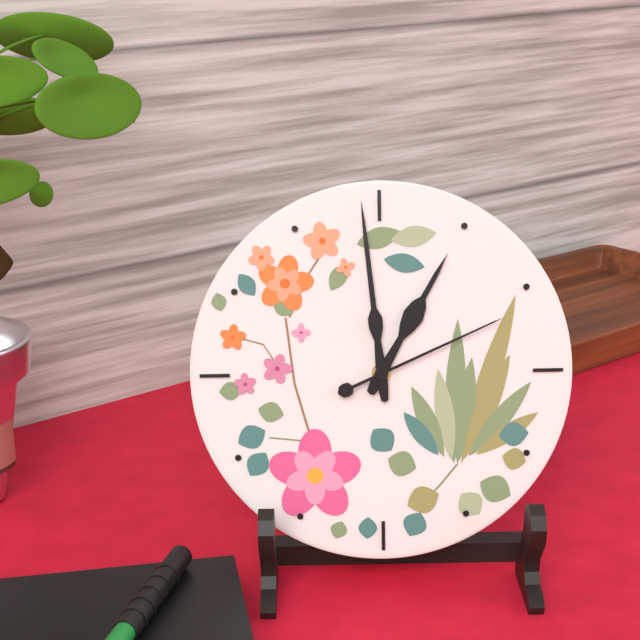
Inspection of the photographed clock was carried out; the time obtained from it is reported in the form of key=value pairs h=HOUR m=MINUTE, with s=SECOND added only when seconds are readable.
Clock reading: h=12 m=59 s=11
